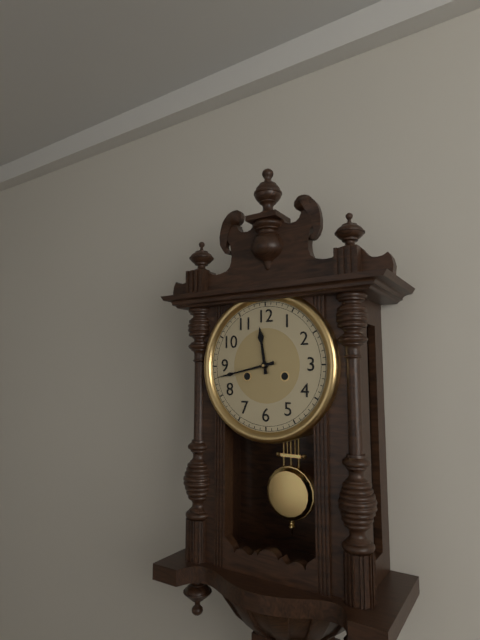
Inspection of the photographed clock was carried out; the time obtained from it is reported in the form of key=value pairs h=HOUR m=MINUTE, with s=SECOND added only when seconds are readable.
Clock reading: h=11 m=43
